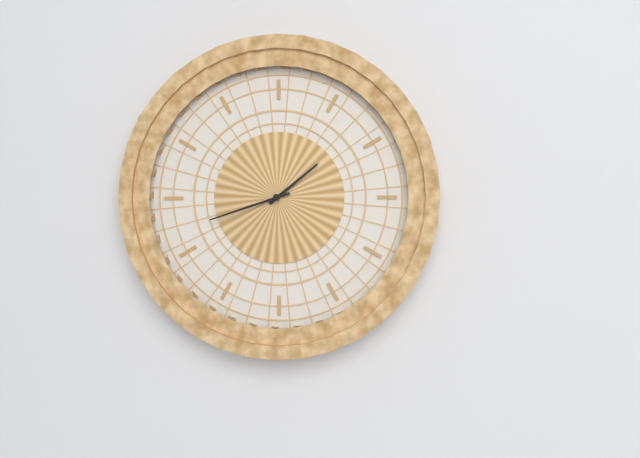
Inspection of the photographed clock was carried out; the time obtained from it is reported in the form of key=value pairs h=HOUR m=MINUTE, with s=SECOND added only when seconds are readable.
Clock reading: h=1 m=42
